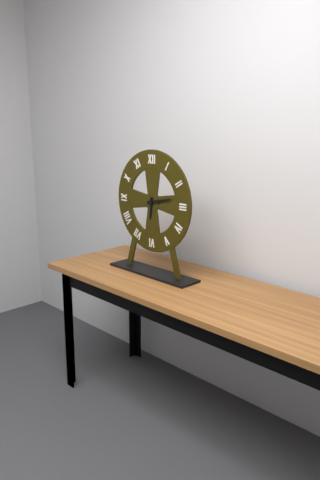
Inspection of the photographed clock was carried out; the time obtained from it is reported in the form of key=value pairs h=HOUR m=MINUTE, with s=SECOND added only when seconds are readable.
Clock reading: h=6 m=13
